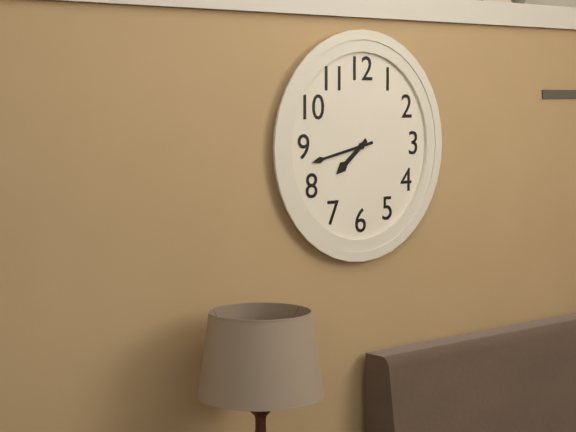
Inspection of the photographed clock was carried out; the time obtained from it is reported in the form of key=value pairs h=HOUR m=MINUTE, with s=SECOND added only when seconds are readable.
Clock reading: h=7 m=43
